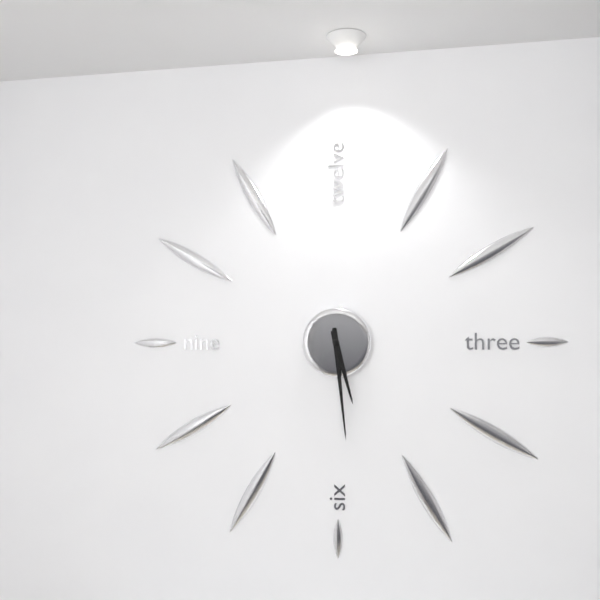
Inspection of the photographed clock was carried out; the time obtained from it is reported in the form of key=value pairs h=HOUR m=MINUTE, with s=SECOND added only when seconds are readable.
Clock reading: h=5 m=29
